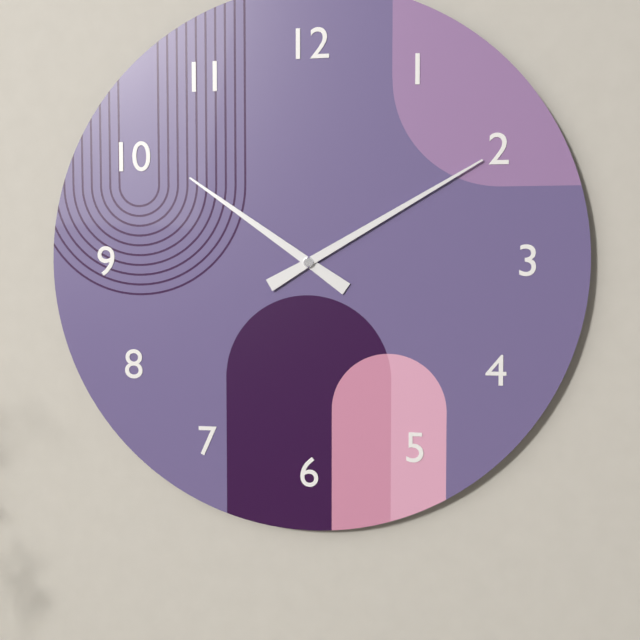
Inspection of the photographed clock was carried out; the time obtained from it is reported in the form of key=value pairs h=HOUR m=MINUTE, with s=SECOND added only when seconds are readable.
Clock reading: h=10 m=10
